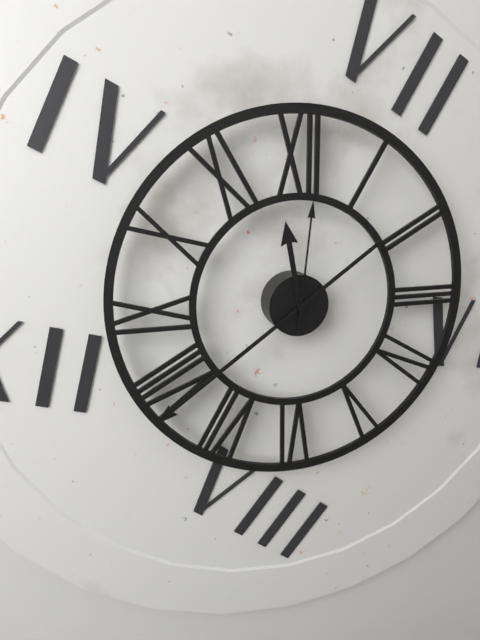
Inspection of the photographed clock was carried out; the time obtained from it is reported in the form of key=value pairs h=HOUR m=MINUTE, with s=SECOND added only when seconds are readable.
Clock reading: h=11 m=39 s=1
